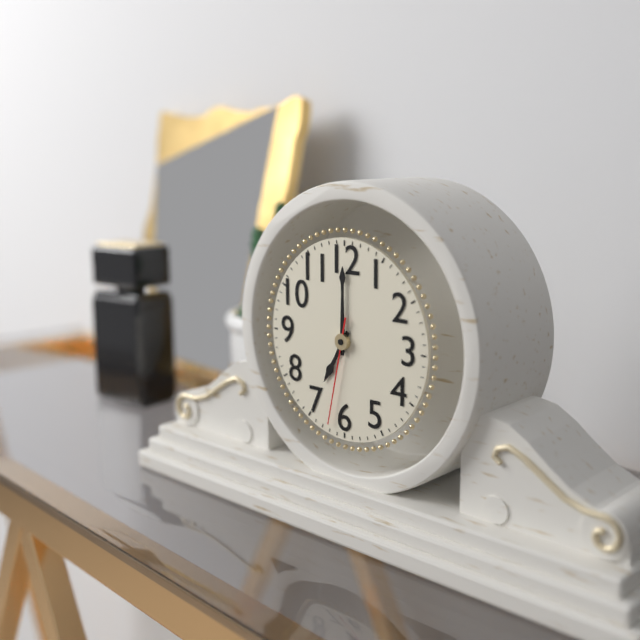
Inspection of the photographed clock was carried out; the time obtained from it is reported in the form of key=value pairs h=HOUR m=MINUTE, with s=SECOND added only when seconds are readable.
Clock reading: h=7 m=0 s=32
